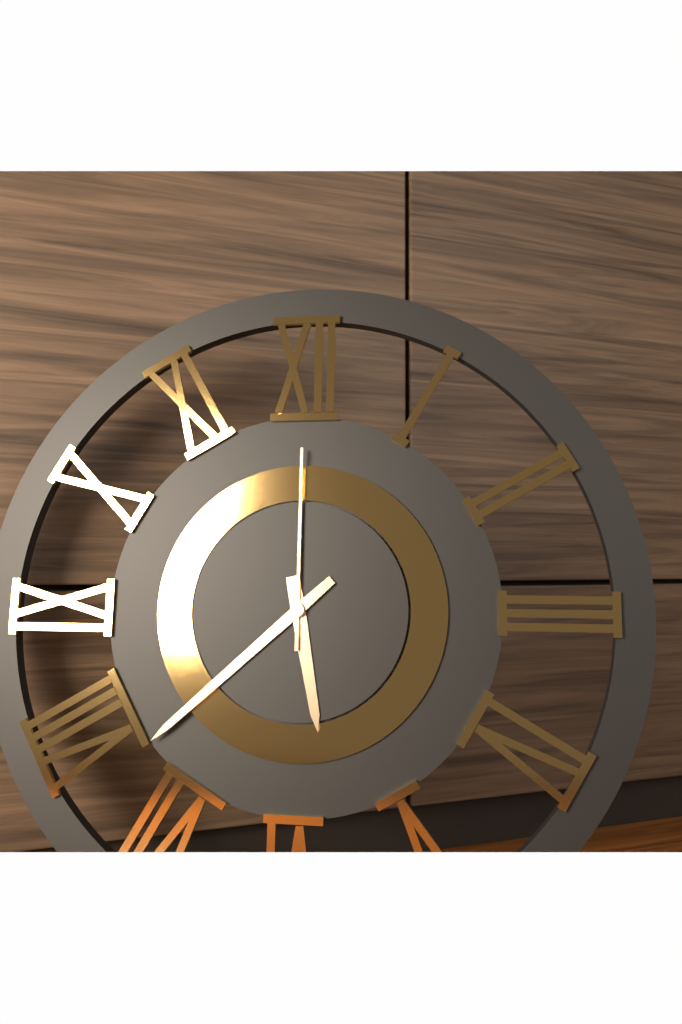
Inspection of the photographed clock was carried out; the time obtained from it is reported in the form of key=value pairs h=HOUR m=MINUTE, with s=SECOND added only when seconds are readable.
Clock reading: h=5 m=38 s=0
